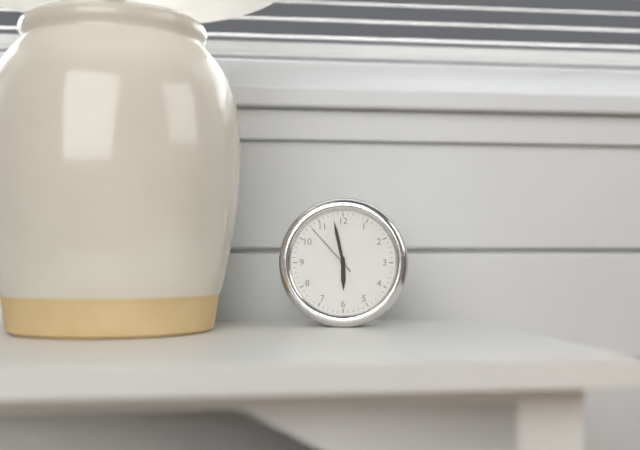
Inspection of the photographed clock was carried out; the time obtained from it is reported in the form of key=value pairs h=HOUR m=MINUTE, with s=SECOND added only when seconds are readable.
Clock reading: h=5 m=58 s=53
